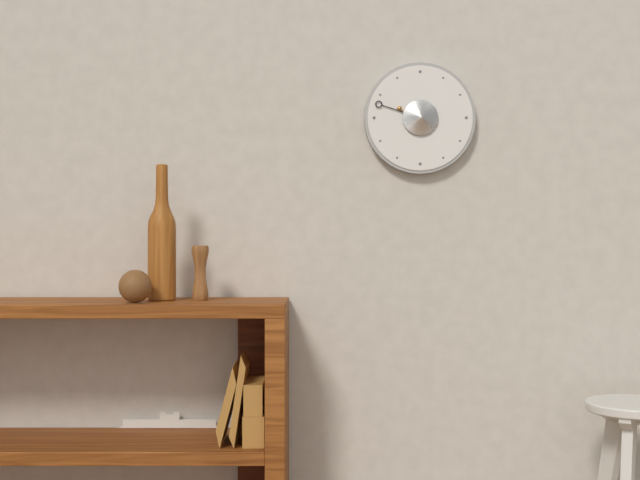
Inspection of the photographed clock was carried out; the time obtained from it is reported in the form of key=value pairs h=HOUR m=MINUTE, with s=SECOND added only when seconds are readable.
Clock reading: h=9 m=48
